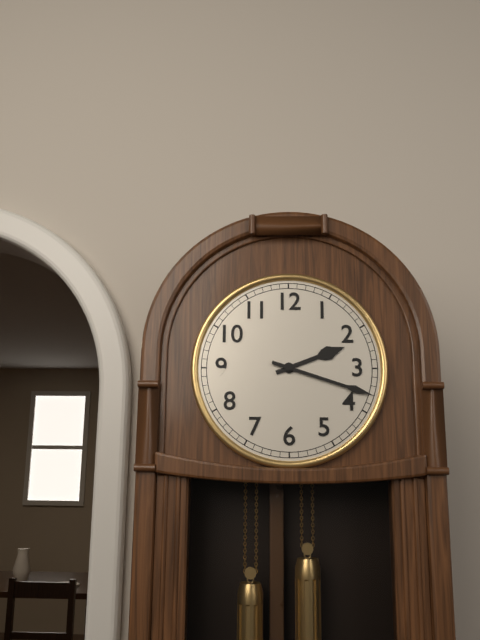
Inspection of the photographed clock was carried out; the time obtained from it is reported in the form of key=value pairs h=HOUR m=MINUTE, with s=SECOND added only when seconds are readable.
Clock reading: h=2 m=18
